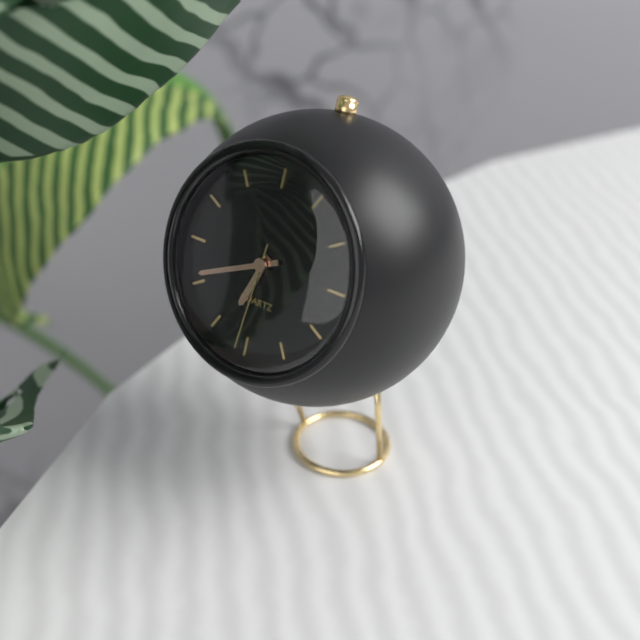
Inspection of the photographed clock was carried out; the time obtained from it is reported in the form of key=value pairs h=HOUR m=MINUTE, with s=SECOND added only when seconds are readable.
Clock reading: h=6 m=41 s=31
